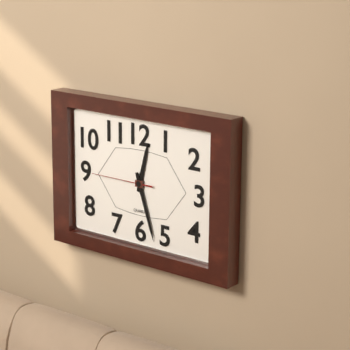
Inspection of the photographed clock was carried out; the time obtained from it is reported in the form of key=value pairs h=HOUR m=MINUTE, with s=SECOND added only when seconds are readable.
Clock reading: h=12 m=27 s=45
